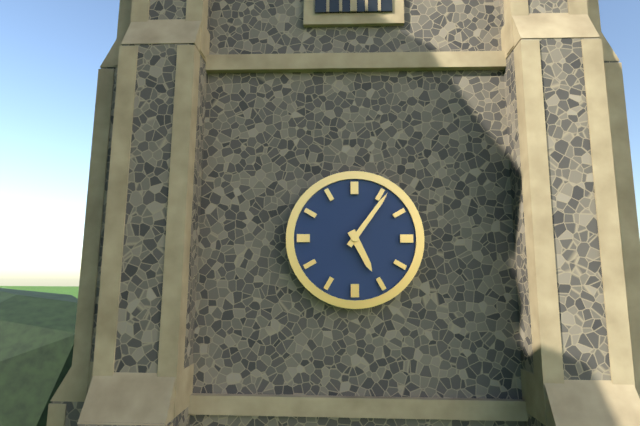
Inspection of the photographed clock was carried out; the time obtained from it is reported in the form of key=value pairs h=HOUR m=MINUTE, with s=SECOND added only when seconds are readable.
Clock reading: h=5 m=6
